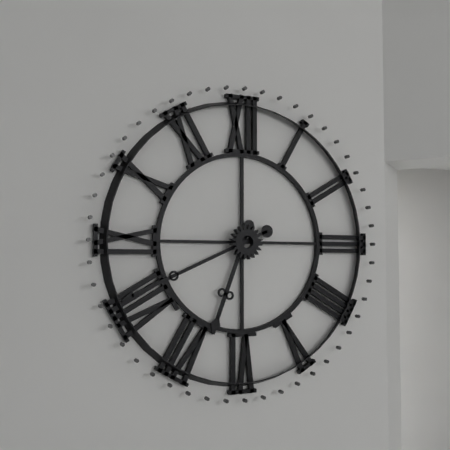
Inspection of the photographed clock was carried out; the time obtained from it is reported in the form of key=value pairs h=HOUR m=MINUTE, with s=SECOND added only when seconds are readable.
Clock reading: h=6 m=41
